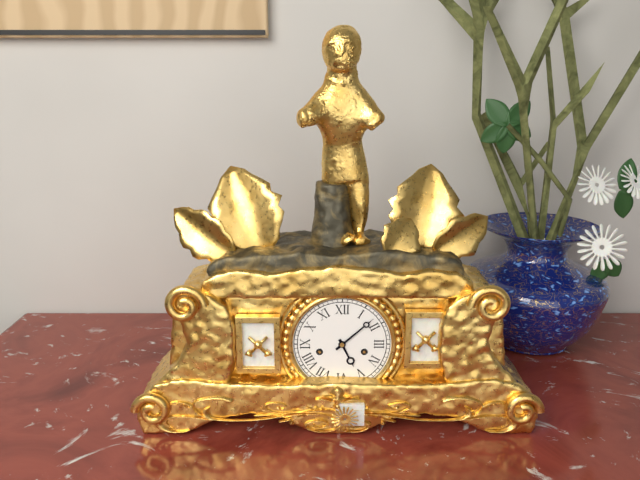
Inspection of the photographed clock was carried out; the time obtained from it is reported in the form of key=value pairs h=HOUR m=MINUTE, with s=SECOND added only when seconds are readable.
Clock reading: h=5 m=8
